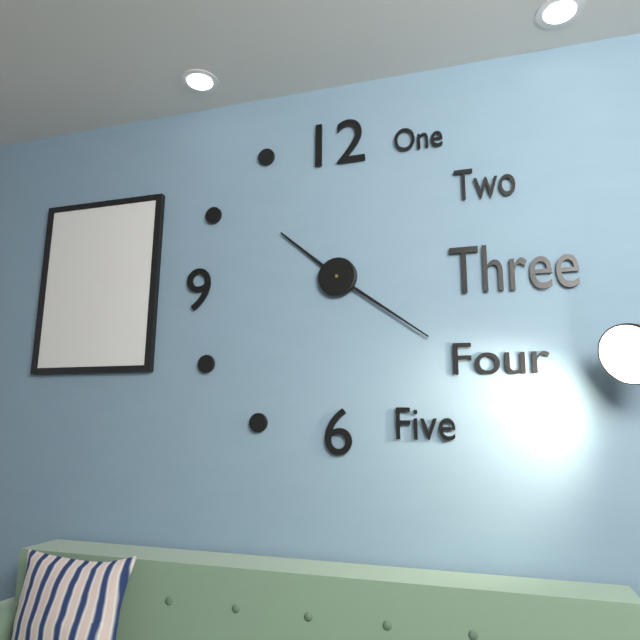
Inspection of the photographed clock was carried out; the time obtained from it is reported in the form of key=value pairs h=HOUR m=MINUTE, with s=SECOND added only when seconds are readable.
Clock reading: h=10 m=21
